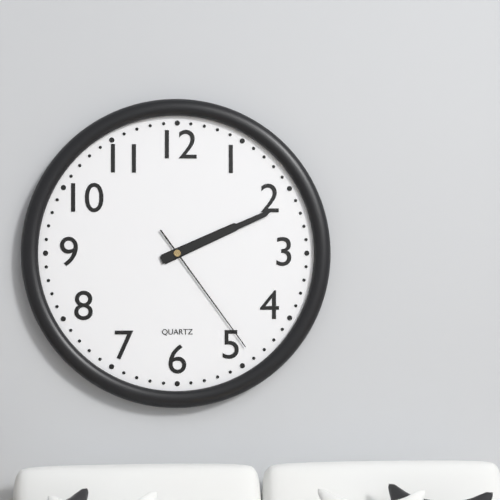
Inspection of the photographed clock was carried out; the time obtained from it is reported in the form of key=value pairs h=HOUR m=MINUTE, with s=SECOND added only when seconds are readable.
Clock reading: h=2 m=11 s=24
